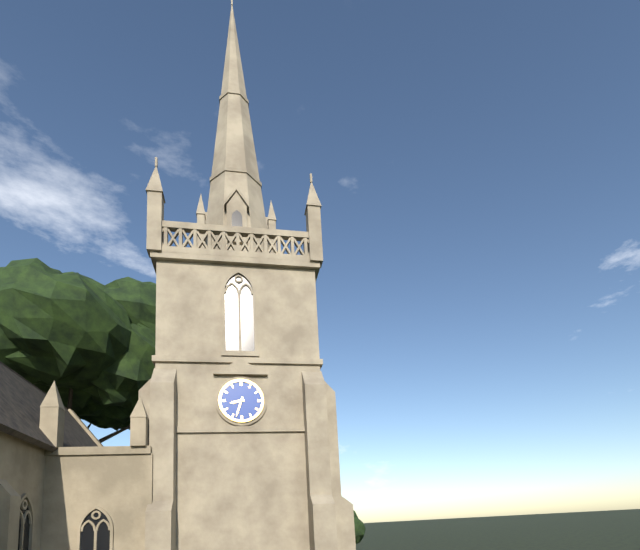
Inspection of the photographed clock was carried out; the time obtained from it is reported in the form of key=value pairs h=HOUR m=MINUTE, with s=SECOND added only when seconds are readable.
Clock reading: h=8 m=33
